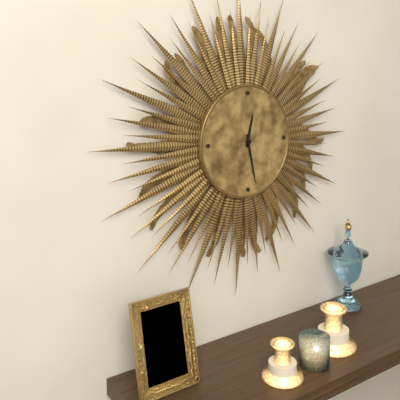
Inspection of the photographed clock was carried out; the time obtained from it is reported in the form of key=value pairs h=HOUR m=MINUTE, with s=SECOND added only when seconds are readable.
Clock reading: h=12 m=28
